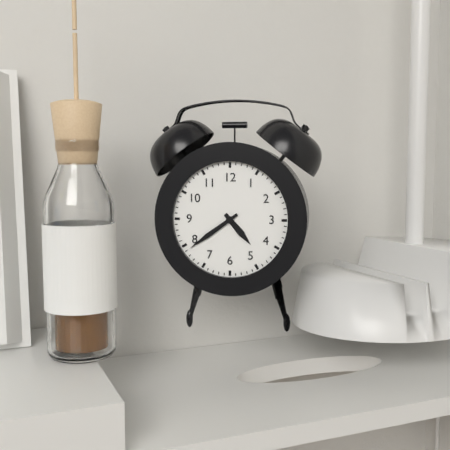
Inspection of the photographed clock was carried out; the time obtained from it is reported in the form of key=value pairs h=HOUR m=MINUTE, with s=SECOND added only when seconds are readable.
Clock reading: h=4 m=39
